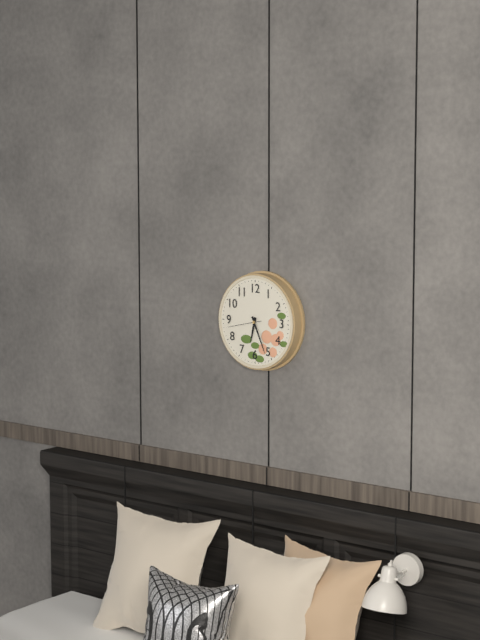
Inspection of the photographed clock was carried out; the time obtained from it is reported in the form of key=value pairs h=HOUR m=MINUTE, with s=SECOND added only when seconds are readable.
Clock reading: h=6 m=26
